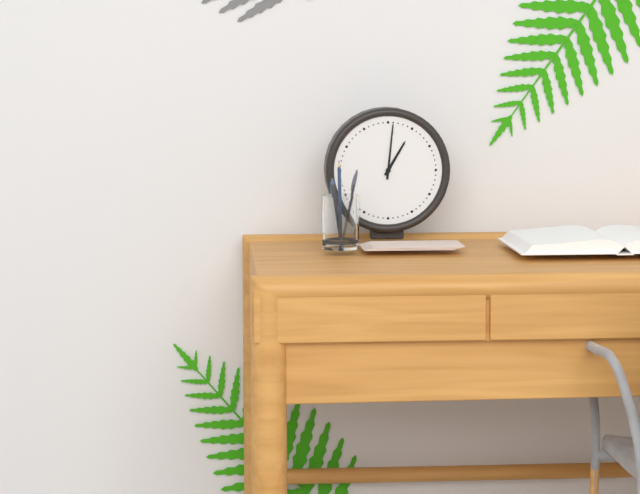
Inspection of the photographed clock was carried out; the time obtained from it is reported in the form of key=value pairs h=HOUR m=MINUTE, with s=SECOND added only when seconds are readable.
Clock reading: h=1 m=1
